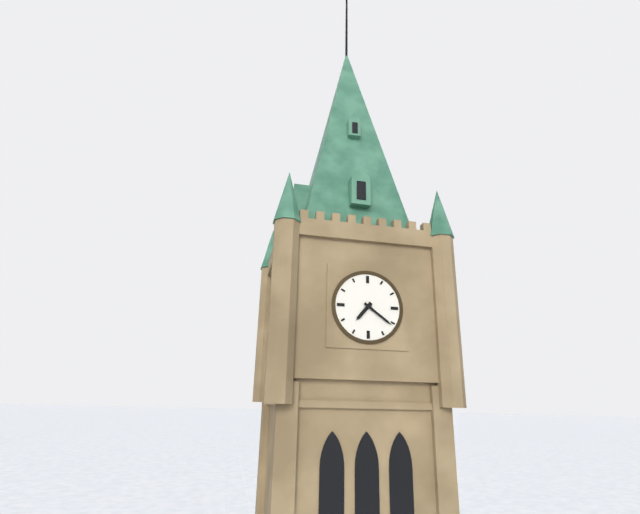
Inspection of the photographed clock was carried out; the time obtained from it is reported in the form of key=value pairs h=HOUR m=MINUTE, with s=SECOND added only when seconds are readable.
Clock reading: h=7 m=21
